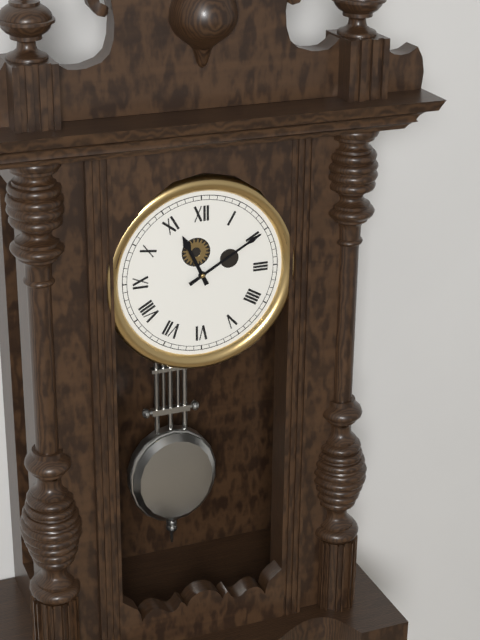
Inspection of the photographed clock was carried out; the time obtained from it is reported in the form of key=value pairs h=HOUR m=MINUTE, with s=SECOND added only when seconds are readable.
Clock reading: h=11 m=10
